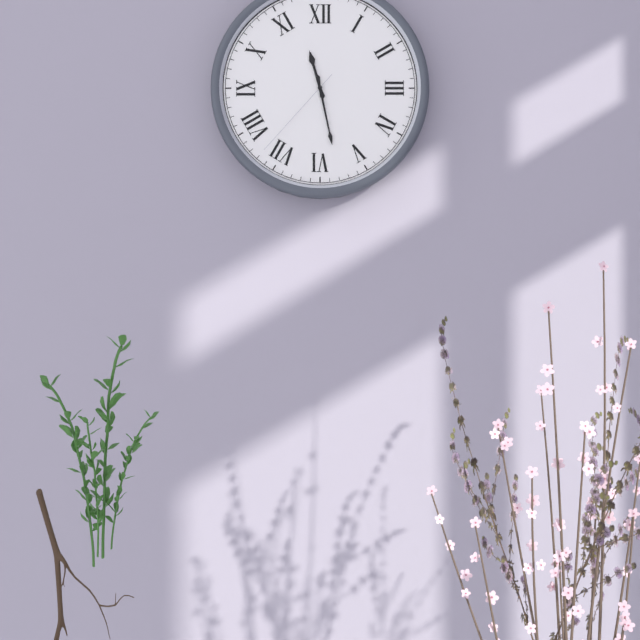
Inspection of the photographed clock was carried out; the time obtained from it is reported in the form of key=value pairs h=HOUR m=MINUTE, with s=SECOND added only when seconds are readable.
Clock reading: h=11 m=28 s=37
